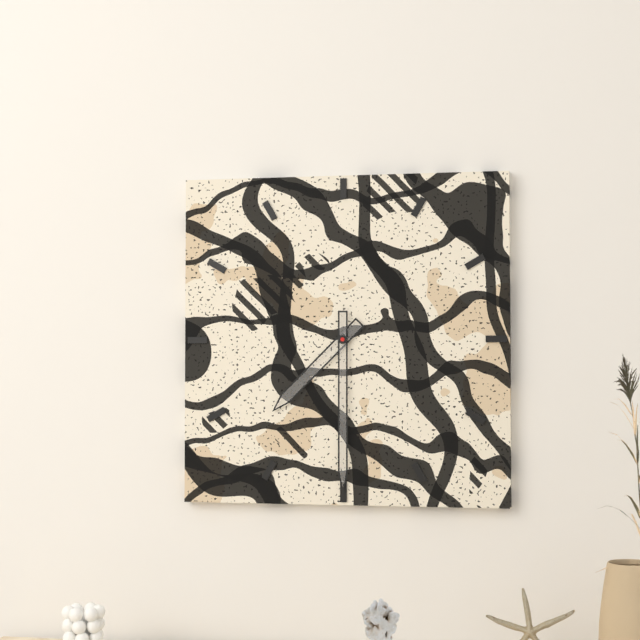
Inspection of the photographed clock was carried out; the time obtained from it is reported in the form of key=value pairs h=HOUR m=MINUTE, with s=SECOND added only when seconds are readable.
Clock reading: h=7 m=30
